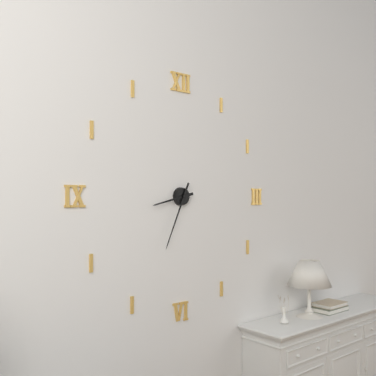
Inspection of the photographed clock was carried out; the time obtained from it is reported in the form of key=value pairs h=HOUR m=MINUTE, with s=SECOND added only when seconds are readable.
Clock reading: h=8 m=34
